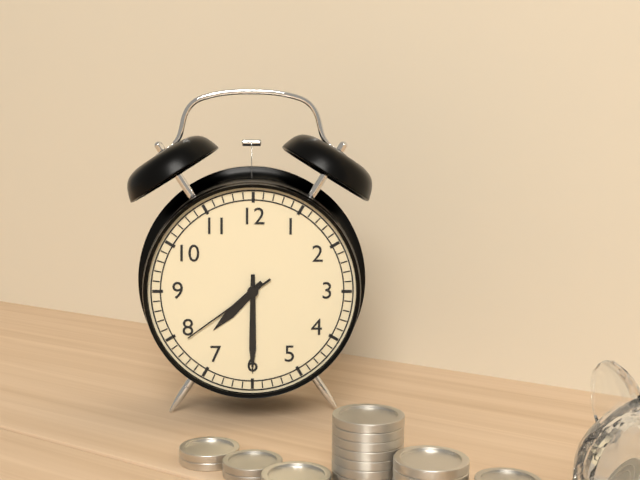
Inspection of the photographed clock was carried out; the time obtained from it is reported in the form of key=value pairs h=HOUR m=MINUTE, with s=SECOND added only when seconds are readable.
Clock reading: h=7 m=30 s=39
